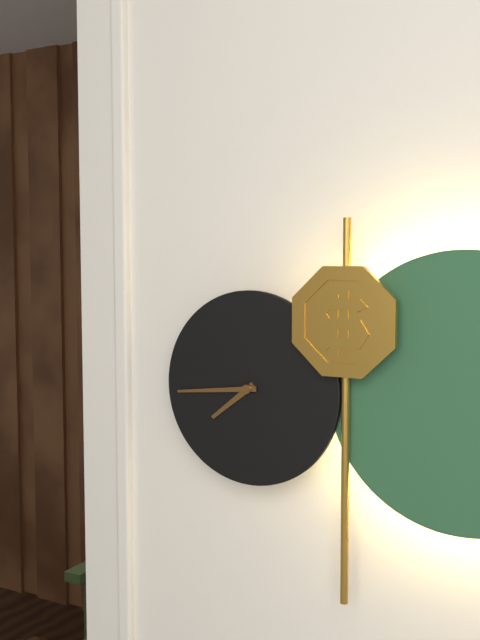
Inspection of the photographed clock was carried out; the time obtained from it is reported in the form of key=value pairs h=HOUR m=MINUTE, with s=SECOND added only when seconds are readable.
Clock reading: h=7 m=44
